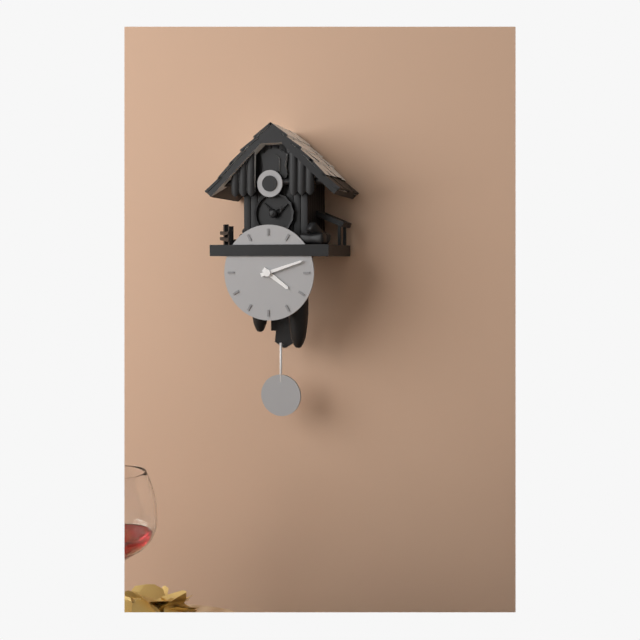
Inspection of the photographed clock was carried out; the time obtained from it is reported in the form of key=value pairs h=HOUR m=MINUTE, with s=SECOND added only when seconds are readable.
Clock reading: h=4 m=12
